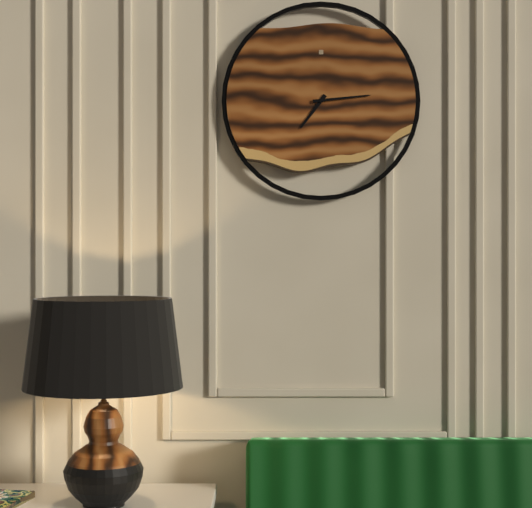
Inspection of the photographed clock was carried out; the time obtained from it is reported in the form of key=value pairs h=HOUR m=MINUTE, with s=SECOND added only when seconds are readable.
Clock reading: h=7 m=14
